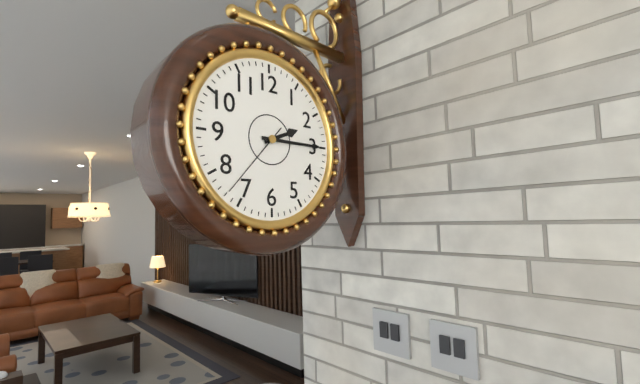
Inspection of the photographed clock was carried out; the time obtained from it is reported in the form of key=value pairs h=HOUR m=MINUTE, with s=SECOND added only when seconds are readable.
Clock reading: h=2 m=15 s=37
